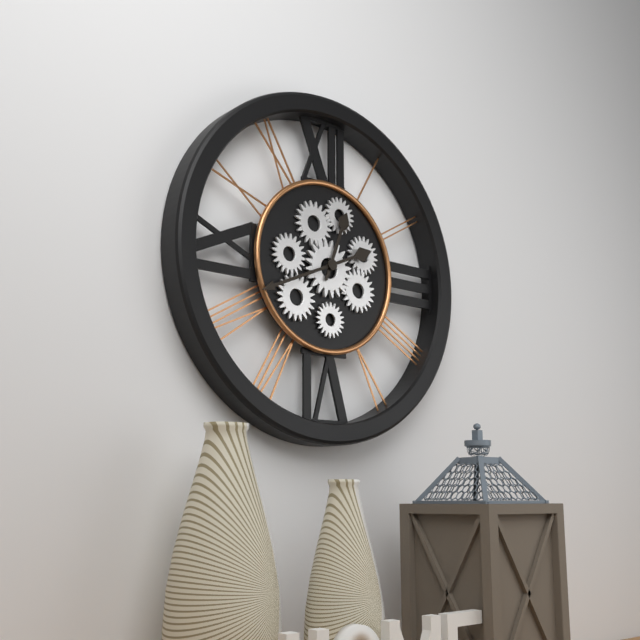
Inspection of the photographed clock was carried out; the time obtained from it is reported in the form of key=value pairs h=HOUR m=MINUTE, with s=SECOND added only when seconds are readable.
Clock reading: h=12 m=41
